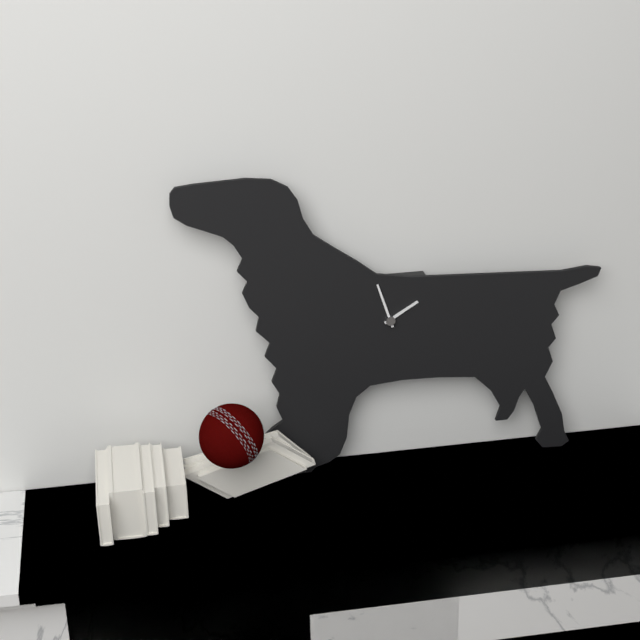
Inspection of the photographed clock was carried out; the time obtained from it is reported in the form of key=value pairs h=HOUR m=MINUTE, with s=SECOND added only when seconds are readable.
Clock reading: h=1 m=57
